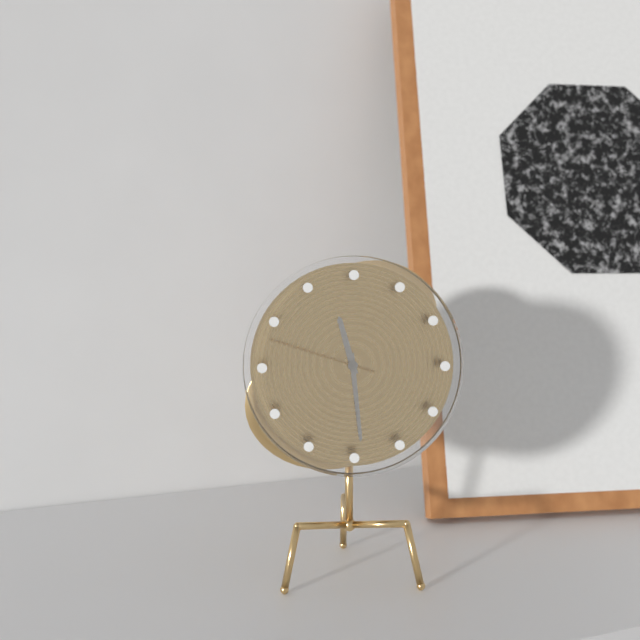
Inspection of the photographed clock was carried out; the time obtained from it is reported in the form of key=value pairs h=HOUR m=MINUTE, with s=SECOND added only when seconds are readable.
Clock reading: h=11 m=29 s=48
